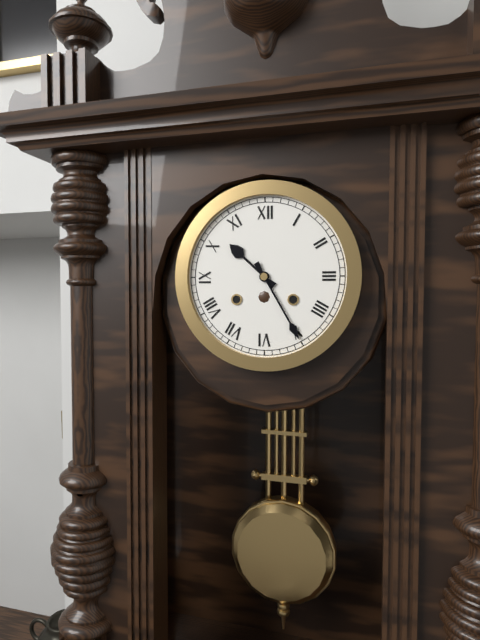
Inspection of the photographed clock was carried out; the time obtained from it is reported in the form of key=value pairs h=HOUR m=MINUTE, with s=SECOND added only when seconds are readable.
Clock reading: h=10 m=25
